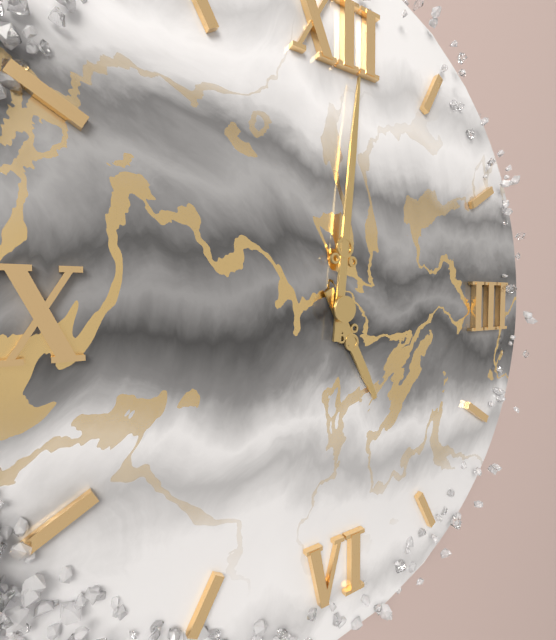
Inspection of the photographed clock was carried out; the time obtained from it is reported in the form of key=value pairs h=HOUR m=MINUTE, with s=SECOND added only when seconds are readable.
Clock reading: h=5 m=1
